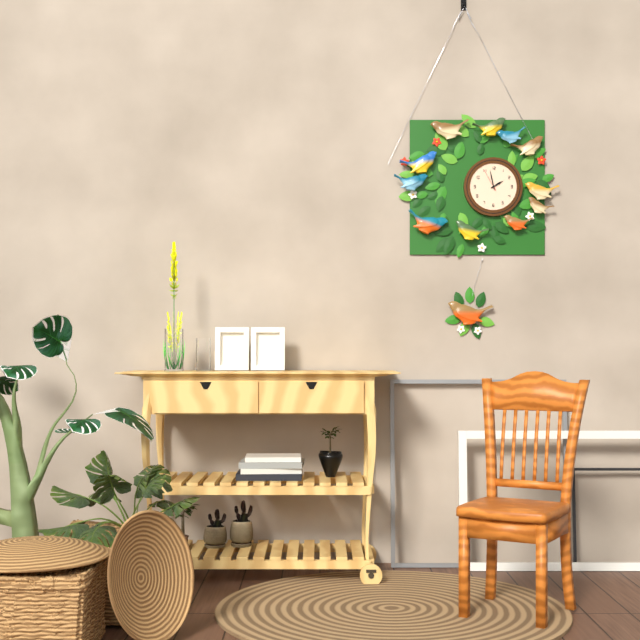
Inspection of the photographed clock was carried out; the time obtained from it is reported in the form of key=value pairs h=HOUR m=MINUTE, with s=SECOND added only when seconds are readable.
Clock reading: h=1 m=58
